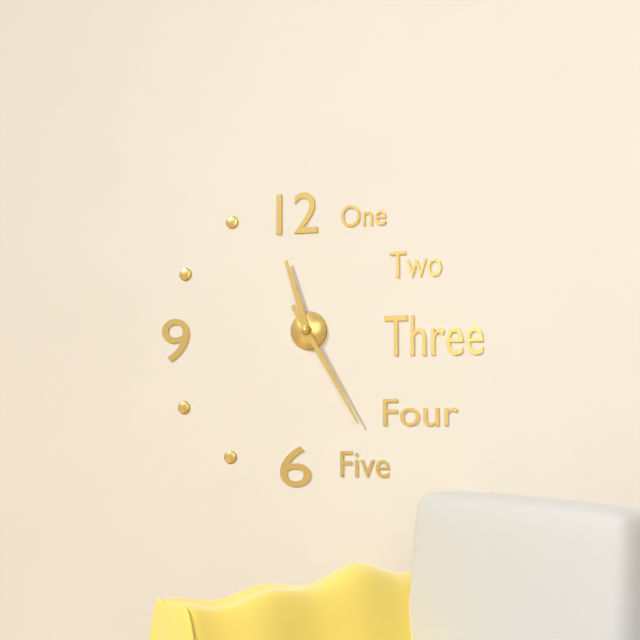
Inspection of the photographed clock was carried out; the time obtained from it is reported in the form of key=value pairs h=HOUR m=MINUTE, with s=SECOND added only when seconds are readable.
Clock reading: h=11 m=25
